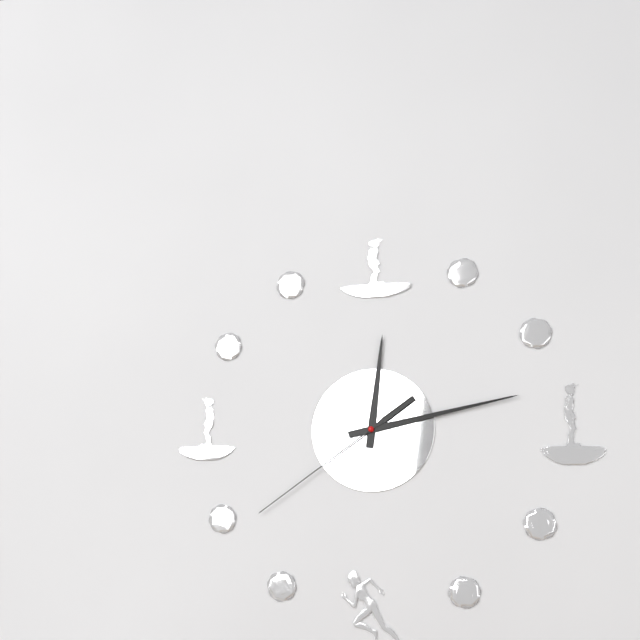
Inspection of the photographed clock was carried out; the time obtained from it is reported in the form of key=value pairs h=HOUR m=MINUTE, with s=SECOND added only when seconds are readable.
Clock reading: h=12 m=13 s=39
